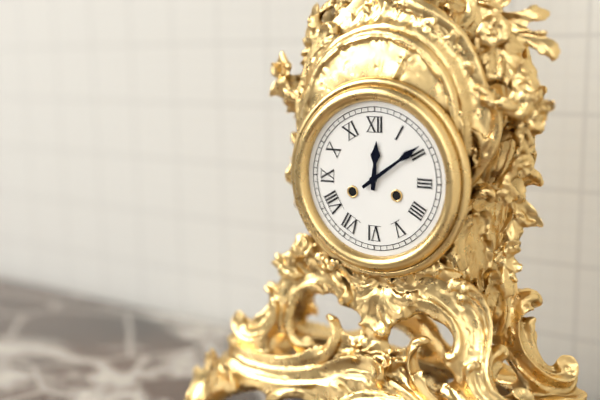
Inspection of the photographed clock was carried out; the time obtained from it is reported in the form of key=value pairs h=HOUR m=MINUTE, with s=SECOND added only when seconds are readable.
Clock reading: h=12 m=9
